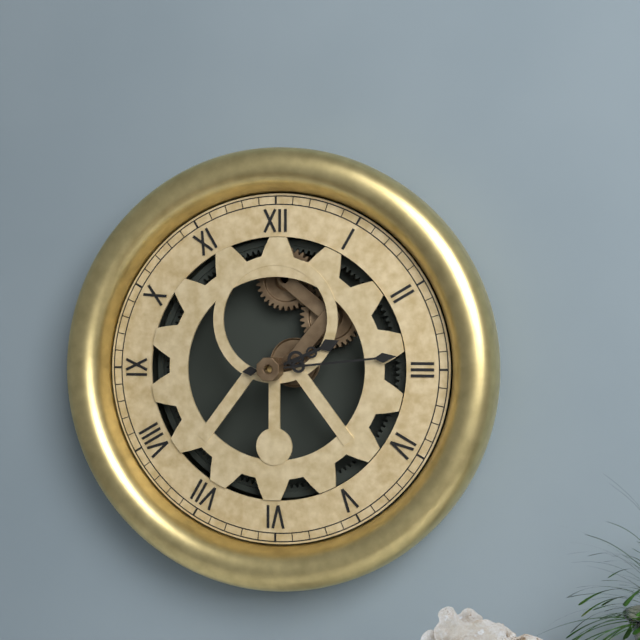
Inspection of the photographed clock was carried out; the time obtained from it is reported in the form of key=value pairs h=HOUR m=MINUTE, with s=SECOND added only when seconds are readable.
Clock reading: h=2 m=14
